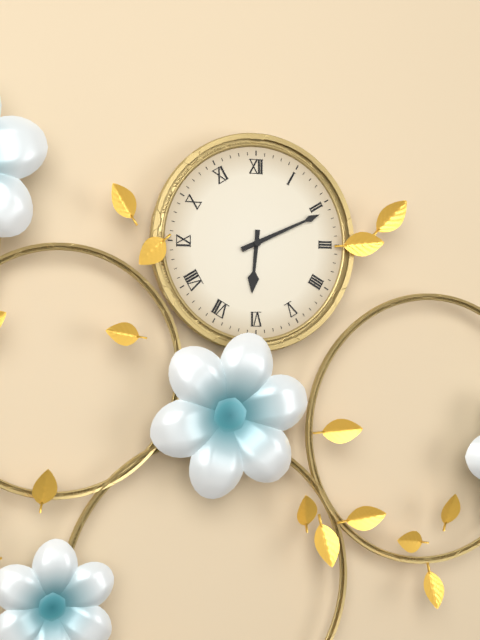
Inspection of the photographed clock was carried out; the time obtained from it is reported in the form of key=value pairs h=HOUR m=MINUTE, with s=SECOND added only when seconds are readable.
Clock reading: h=6 m=11
